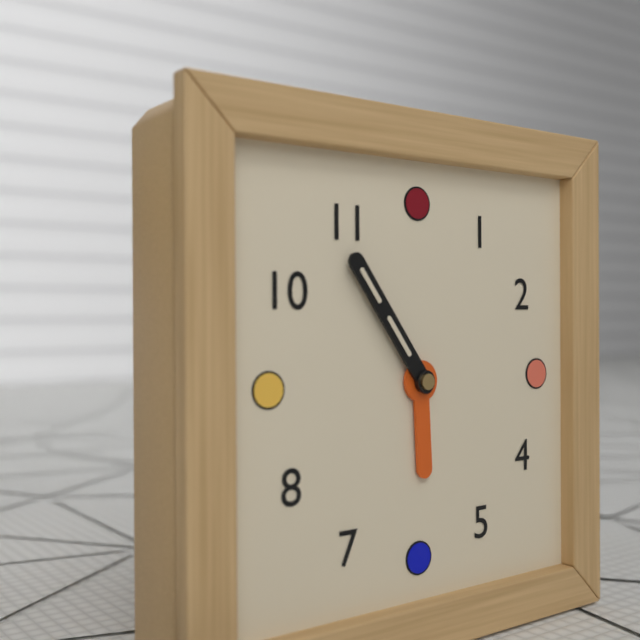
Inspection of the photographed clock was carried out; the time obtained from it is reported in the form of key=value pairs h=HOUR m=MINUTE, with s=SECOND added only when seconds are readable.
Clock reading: h=5 m=54
